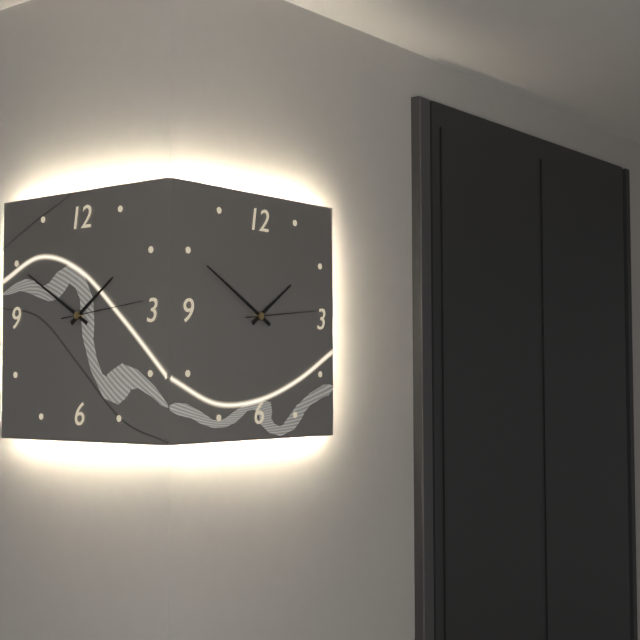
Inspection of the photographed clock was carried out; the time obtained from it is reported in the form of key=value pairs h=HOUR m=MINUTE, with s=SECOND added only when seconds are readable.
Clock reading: h=1 m=50 s=14
